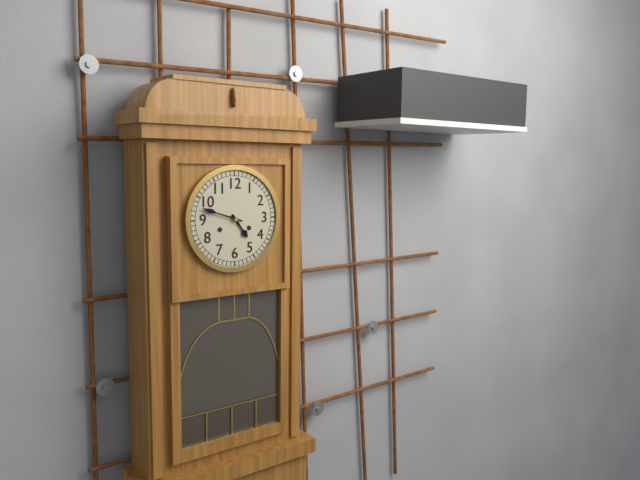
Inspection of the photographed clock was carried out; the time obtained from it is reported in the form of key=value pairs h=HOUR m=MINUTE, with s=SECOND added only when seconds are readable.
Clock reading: h=4 m=48
